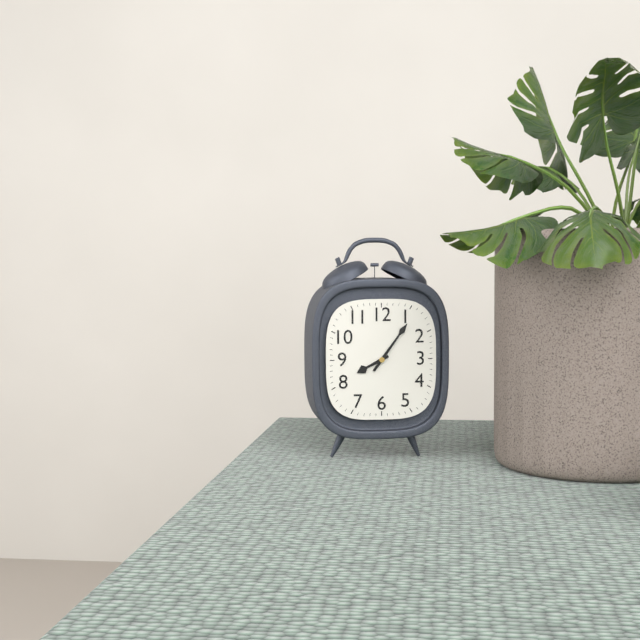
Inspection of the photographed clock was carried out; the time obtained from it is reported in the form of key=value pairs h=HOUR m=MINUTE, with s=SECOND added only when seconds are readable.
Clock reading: h=8 m=6
